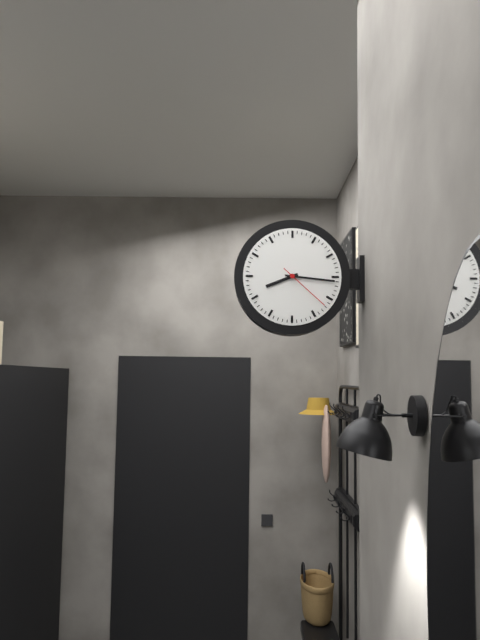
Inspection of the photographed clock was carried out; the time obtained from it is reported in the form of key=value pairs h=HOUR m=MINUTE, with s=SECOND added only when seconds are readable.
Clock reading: h=8 m=16 s=22
